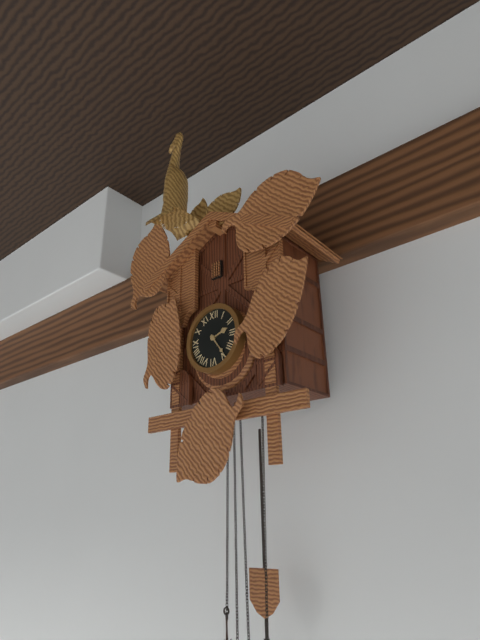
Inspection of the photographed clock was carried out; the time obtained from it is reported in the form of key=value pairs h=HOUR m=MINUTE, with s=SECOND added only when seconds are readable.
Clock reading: h=2 m=24
